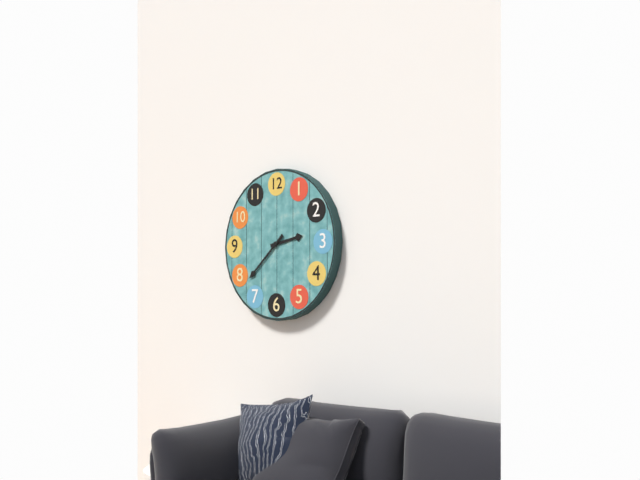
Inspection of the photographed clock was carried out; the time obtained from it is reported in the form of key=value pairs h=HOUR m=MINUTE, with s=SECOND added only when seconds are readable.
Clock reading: h=2 m=38
